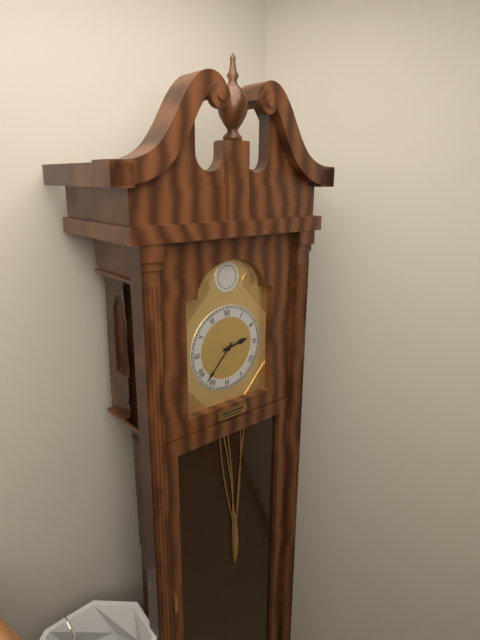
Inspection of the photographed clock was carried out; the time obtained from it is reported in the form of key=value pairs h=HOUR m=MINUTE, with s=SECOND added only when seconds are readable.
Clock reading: h=2 m=37
